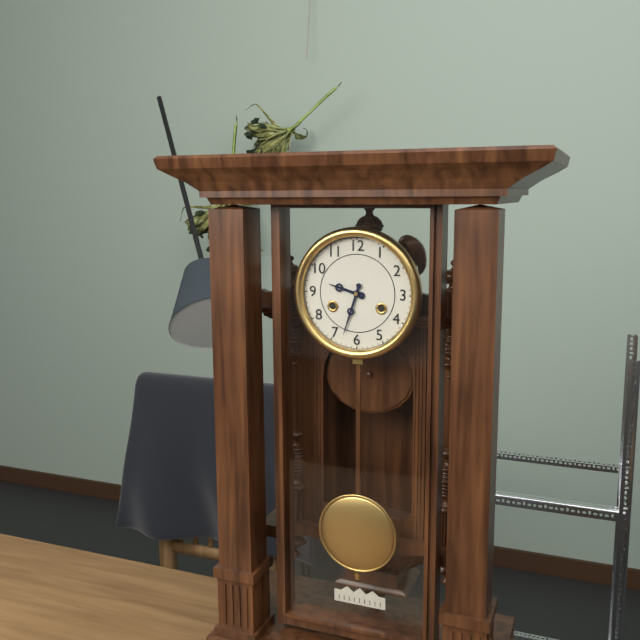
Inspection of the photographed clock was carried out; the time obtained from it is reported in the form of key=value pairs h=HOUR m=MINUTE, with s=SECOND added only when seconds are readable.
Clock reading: h=9 m=33
